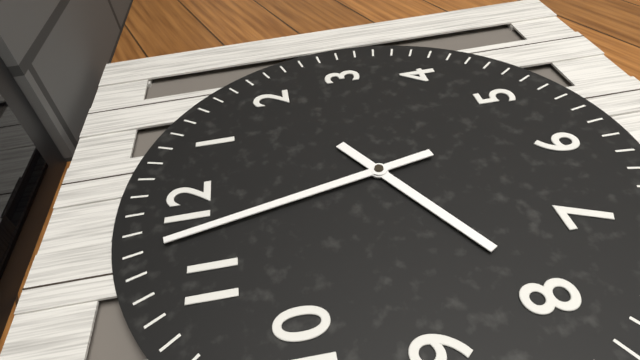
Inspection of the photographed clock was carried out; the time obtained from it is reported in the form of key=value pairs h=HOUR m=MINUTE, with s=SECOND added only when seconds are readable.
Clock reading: h=7 m=58
